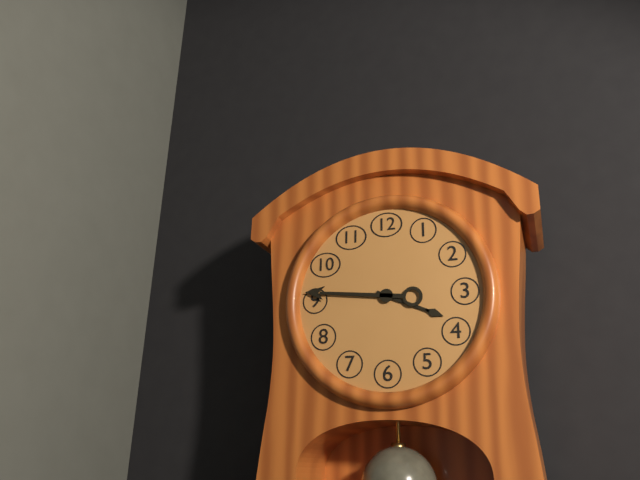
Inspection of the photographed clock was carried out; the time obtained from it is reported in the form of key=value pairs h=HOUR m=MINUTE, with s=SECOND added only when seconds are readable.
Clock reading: h=3 m=46
